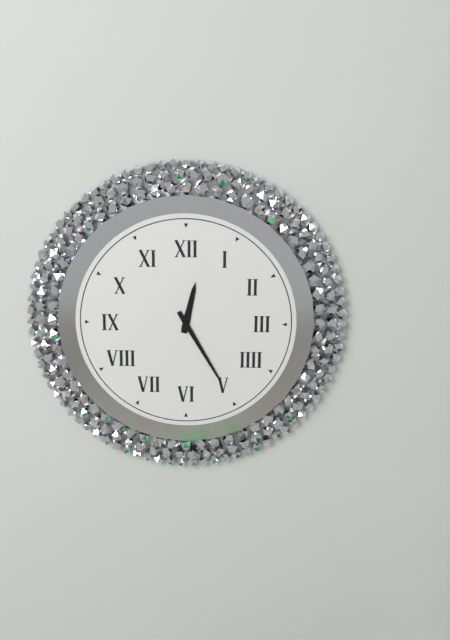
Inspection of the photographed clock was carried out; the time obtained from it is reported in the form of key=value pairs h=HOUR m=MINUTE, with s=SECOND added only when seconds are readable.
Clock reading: h=12 m=25
